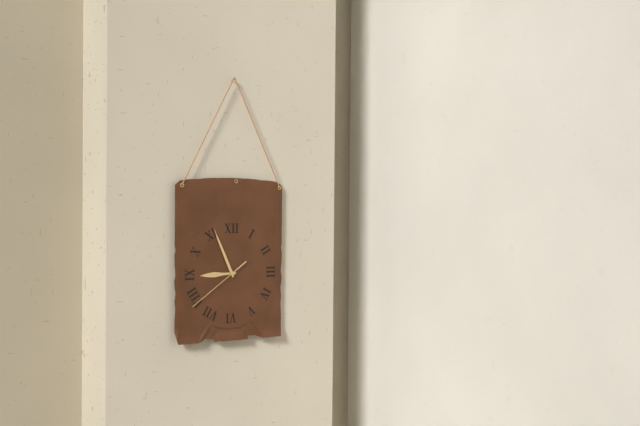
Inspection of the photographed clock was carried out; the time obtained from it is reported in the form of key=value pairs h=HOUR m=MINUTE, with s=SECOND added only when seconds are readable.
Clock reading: h=8 m=56 s=39
